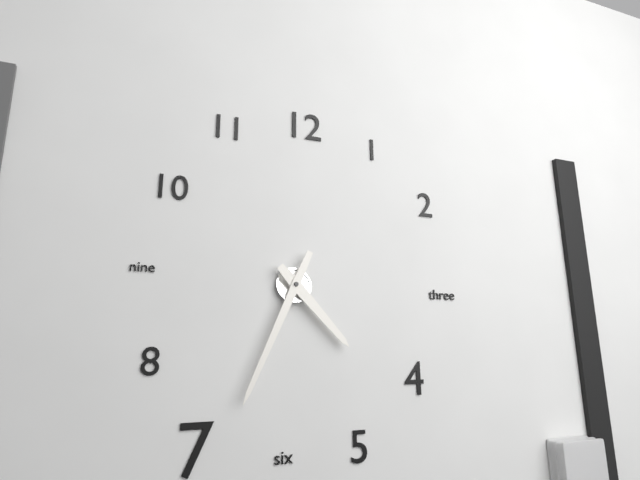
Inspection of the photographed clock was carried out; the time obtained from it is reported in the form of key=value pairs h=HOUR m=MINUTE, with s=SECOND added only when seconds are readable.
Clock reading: h=4 m=34
